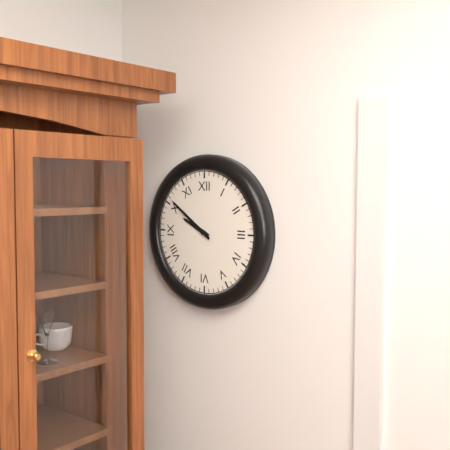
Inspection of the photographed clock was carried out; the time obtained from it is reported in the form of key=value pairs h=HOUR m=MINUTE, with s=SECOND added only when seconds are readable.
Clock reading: h=9 m=51
